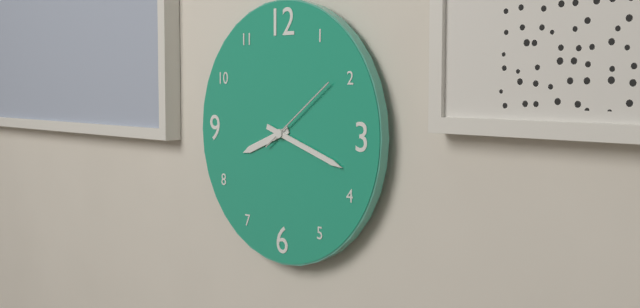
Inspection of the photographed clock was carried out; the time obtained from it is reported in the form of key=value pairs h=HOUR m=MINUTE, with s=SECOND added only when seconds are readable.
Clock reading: h=8 m=18 s=9
